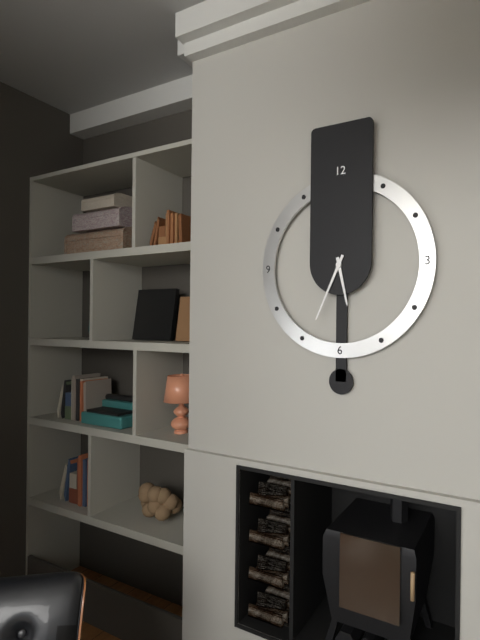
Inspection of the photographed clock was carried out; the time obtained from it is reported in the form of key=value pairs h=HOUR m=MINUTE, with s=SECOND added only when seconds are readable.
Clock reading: h=5 m=34
